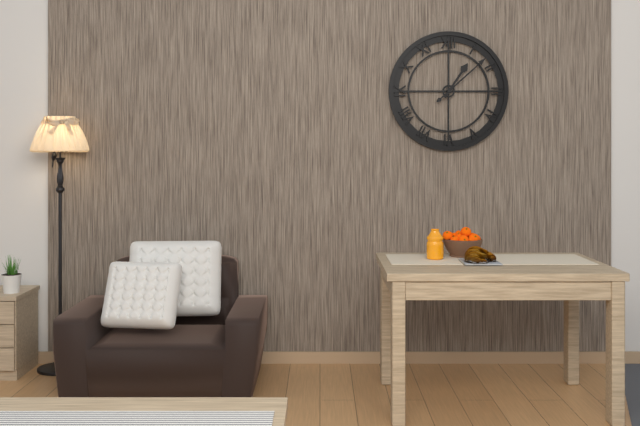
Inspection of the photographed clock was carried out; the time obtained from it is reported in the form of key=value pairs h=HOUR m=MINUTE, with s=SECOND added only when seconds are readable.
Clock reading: h=1 m=8
